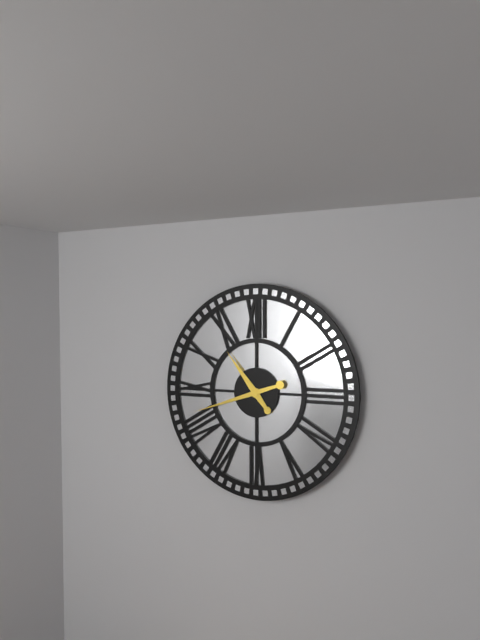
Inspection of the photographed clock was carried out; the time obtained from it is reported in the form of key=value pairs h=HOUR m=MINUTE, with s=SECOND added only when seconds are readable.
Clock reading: h=10 m=42
